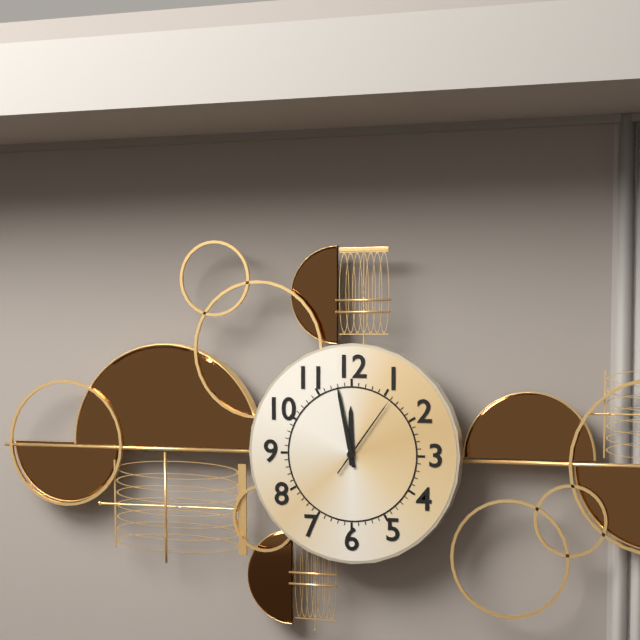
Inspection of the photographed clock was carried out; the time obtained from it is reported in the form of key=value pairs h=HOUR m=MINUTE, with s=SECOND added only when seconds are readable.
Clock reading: h=11 m=58 s=6
